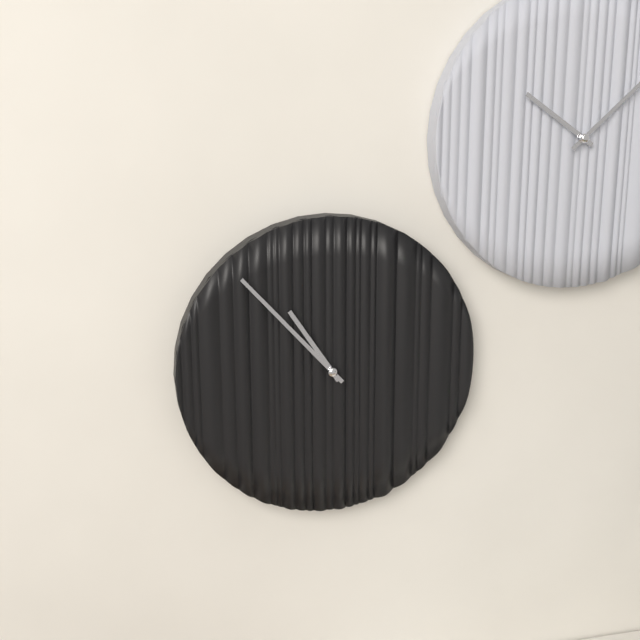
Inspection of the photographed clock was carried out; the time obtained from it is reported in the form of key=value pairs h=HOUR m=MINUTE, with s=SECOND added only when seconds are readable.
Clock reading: h=10 m=53
